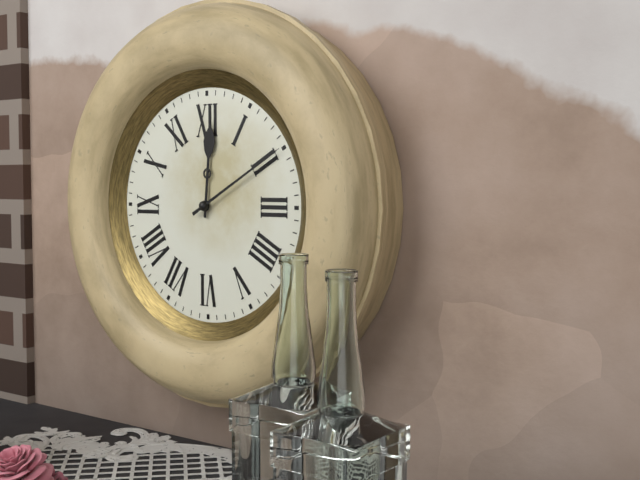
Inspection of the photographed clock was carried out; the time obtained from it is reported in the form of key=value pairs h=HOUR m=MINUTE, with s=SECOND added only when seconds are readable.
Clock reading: h=12 m=10
